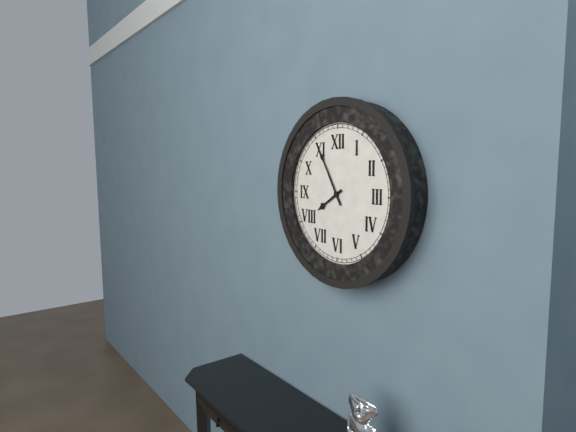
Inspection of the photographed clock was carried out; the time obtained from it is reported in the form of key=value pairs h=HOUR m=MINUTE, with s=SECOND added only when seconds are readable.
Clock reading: h=7 m=55
